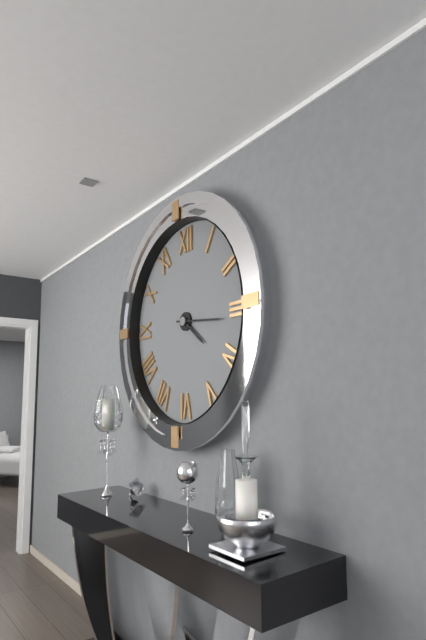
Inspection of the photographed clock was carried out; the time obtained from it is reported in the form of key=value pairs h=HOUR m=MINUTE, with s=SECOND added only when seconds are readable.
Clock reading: h=4 m=16
